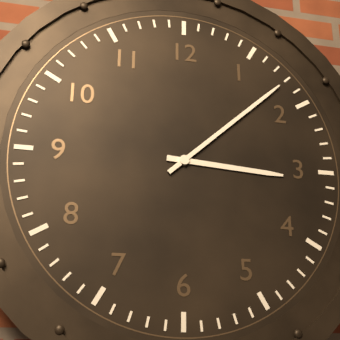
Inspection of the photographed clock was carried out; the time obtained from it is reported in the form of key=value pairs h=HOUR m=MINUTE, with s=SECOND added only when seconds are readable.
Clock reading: h=3 m=8
